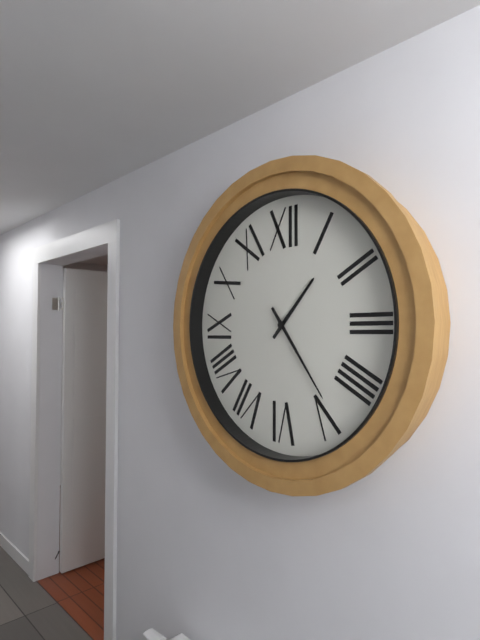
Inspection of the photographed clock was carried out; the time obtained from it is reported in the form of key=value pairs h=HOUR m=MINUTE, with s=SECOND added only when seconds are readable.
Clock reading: h=1 m=24
